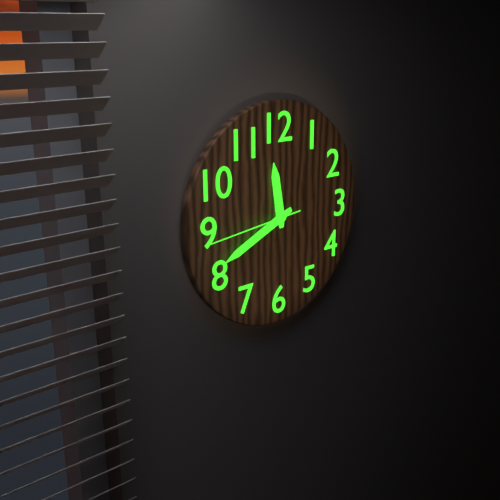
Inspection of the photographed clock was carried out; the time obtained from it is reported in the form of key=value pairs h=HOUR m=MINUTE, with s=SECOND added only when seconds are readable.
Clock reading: h=11 m=41 s=44
